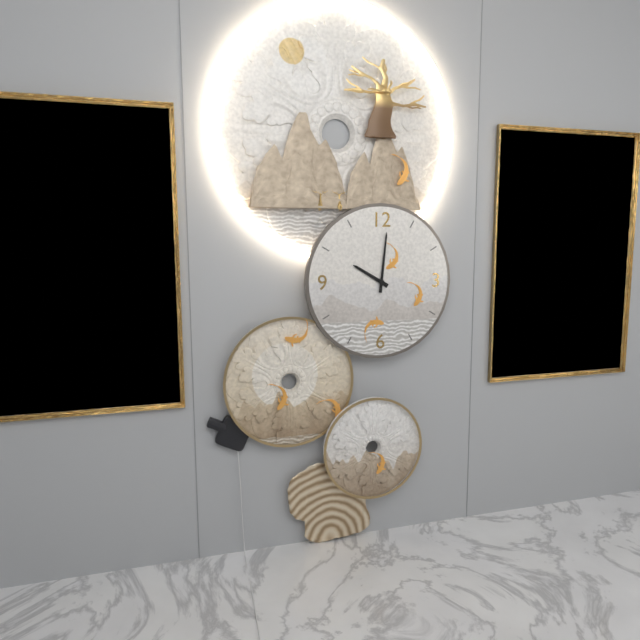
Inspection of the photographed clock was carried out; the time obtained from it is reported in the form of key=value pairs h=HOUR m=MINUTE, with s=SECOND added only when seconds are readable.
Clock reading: h=10 m=1
